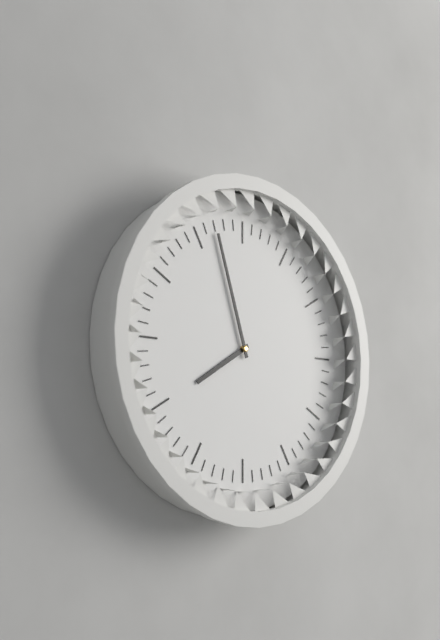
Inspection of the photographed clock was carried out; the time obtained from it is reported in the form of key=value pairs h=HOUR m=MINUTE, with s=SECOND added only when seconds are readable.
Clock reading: h=7 m=57
